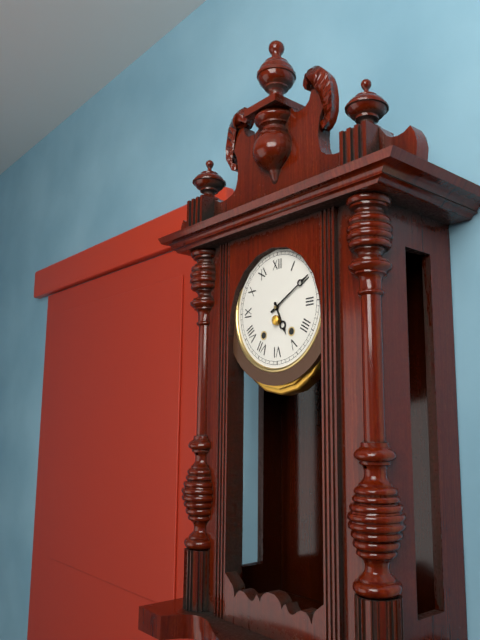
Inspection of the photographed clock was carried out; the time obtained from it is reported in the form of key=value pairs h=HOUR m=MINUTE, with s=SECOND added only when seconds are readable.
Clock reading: h=5 m=10
